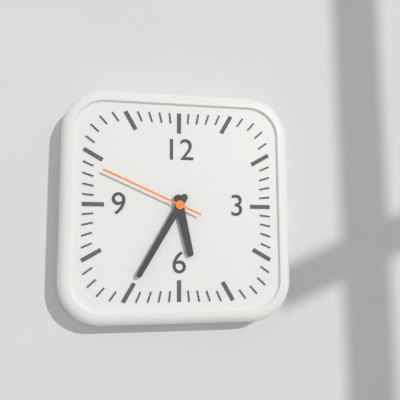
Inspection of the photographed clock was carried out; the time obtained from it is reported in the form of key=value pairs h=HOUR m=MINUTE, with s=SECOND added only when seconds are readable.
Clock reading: h=5 m=35 s=49
